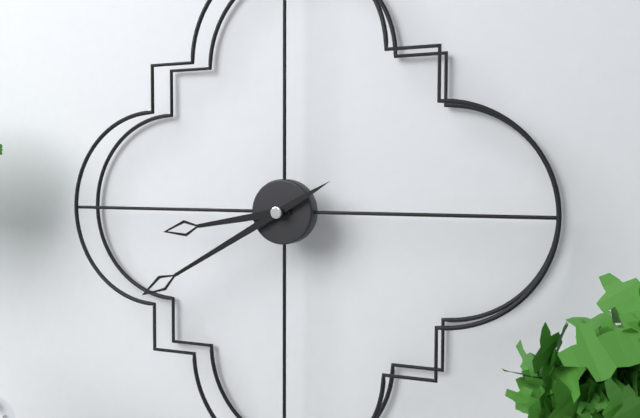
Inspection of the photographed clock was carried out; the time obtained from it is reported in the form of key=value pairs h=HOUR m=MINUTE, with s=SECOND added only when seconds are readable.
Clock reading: h=8 m=40
